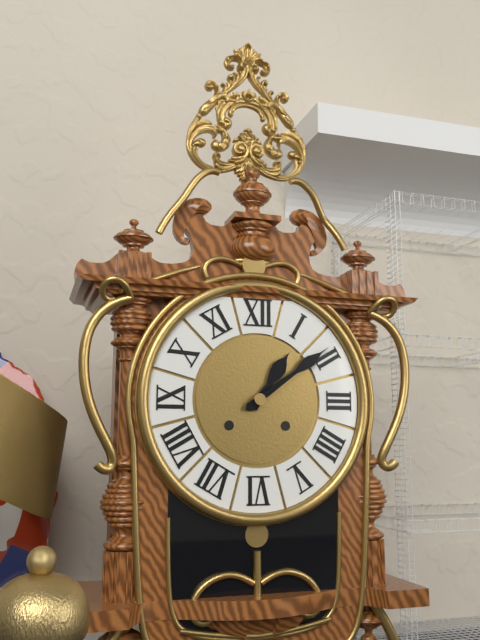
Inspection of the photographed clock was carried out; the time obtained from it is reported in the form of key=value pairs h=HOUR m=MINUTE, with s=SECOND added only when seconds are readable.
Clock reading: h=1 m=9
